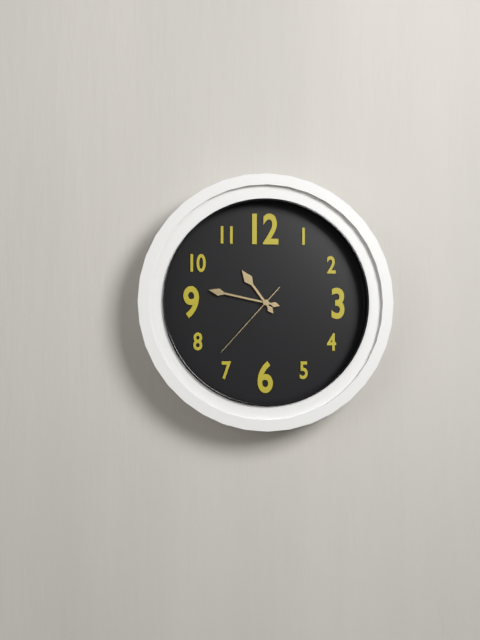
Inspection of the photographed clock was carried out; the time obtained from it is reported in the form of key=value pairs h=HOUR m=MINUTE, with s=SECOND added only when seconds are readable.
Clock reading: h=10 m=47 s=37
